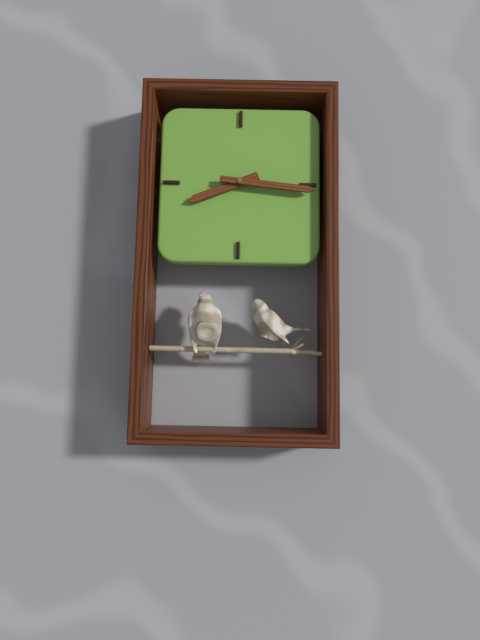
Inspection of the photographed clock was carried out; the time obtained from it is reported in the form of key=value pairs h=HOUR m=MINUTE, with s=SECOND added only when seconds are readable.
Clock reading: h=8 m=16
